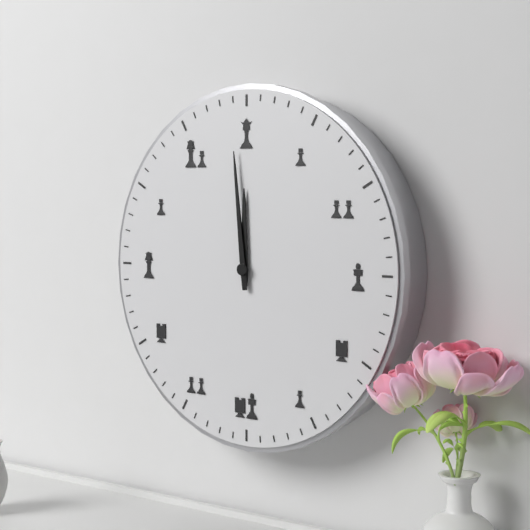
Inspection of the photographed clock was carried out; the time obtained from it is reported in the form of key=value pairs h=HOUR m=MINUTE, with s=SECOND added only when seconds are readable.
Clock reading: h=11 m=59
